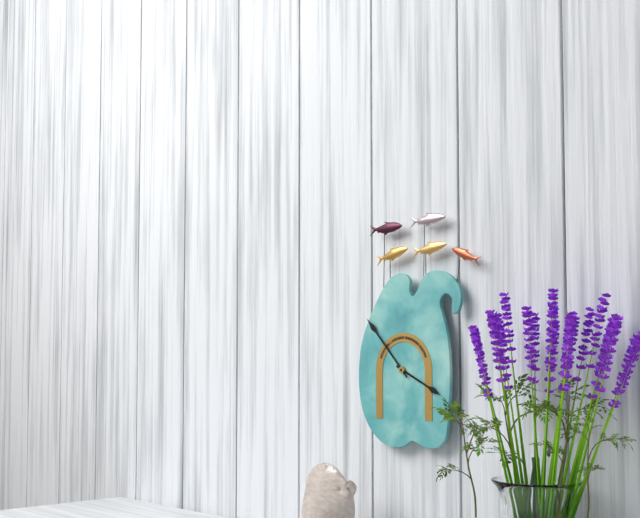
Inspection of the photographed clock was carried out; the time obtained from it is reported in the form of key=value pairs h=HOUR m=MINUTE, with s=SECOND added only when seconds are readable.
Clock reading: h=3 m=53
